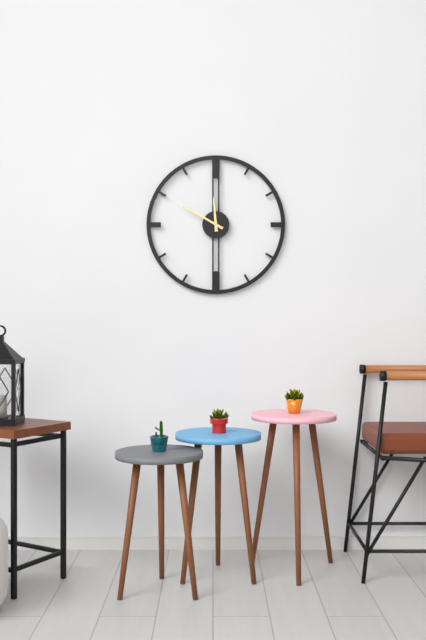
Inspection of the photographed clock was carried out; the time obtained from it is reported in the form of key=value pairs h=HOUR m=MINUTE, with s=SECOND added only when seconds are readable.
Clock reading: h=11 m=50
